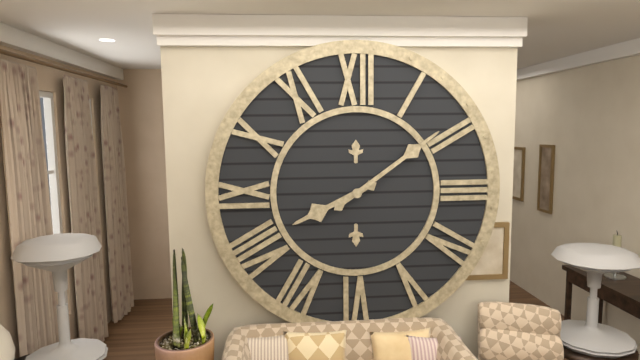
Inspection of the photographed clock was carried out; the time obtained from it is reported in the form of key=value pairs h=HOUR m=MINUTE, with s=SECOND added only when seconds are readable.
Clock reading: h=8 m=9
